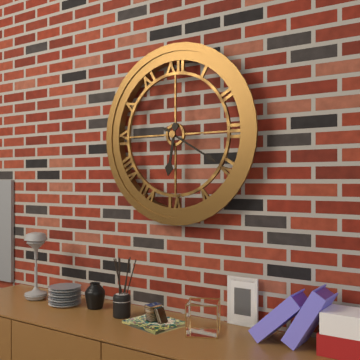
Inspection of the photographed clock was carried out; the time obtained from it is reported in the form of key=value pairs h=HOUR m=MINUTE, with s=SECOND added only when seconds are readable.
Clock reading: h=6 m=20
